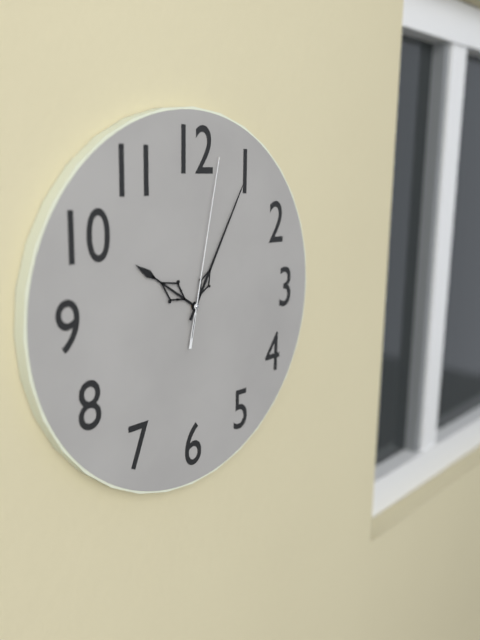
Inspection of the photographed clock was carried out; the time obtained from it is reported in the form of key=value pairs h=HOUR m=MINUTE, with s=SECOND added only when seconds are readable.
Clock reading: h=10 m=5 s=2
